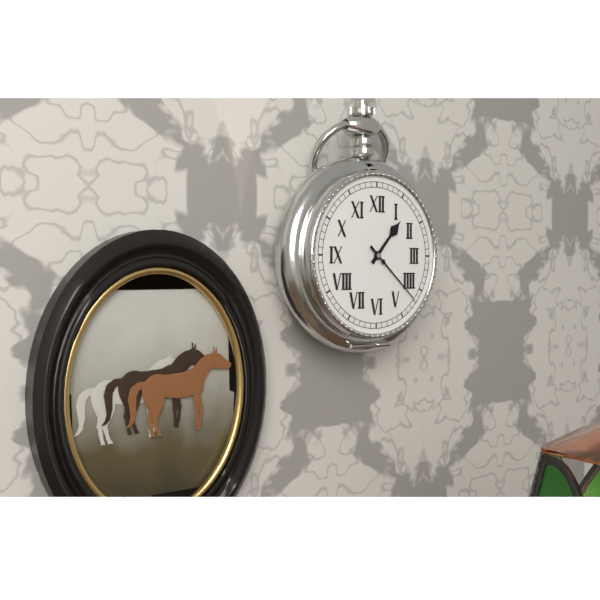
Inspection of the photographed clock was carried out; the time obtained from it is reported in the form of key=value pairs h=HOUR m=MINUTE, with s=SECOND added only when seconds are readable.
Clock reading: h=1 m=22
